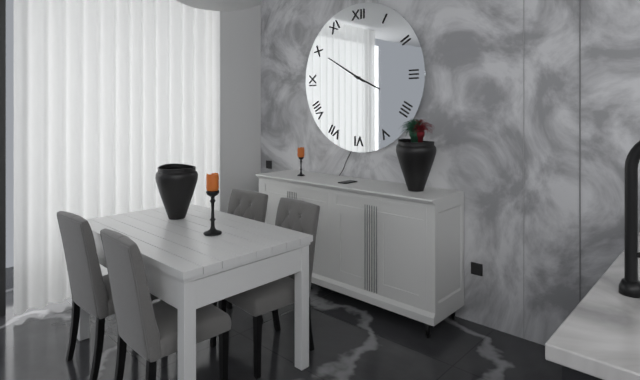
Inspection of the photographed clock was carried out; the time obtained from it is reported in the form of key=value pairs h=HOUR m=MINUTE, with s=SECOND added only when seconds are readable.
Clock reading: h=3 m=50
